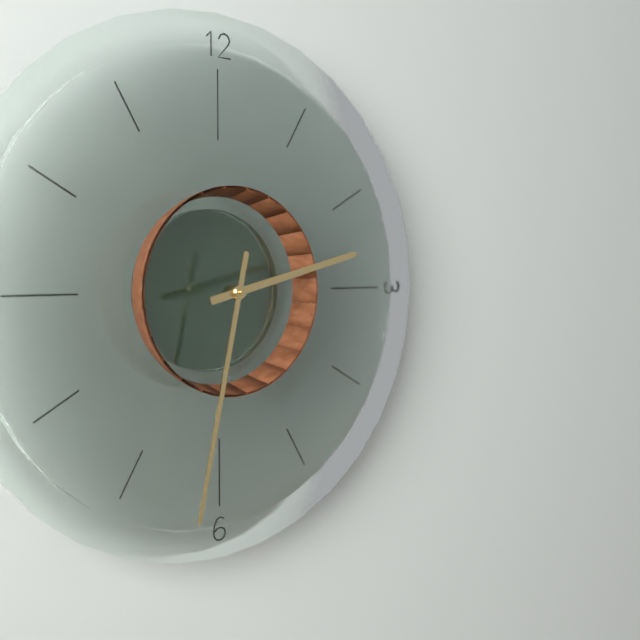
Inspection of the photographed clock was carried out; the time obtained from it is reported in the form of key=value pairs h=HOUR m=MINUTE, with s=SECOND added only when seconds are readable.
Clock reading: h=2 m=32
